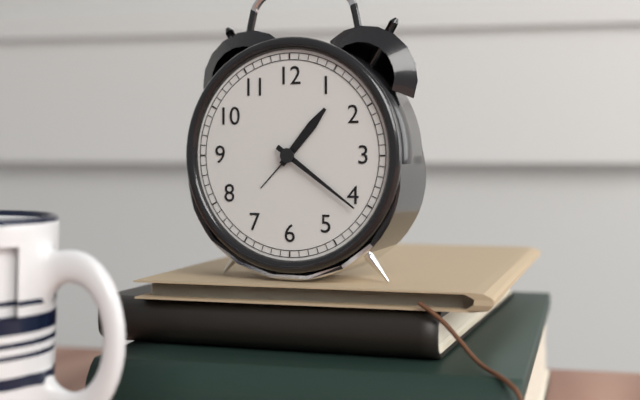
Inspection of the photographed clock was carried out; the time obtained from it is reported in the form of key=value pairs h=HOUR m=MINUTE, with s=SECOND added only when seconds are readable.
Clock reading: h=1 m=21
